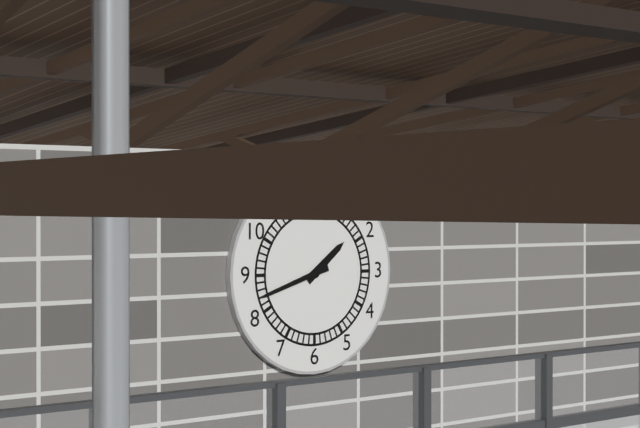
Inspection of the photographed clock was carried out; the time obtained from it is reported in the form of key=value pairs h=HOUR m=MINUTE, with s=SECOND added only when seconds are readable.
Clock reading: h=1 m=42
